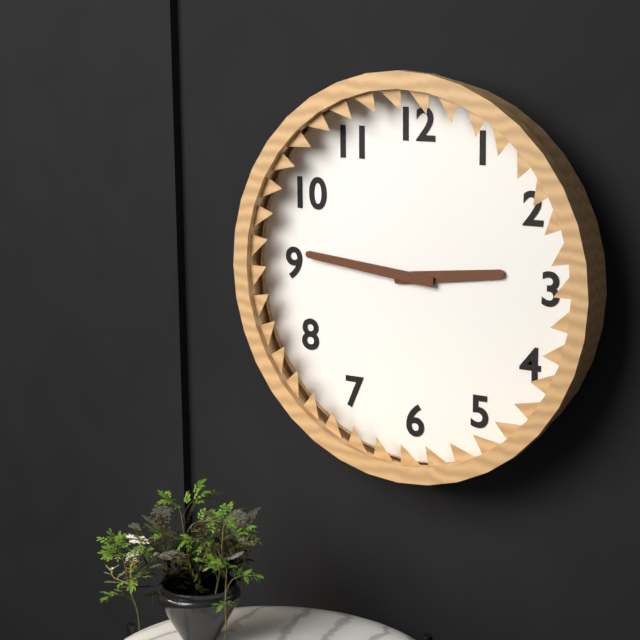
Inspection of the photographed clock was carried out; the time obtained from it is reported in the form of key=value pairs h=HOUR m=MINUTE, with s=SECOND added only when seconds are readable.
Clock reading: h=2 m=46
